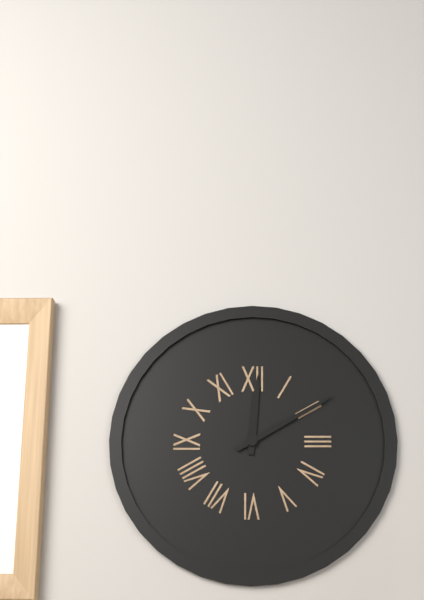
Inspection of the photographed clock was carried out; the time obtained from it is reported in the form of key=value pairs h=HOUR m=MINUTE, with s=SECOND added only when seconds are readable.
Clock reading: h=12 m=10
